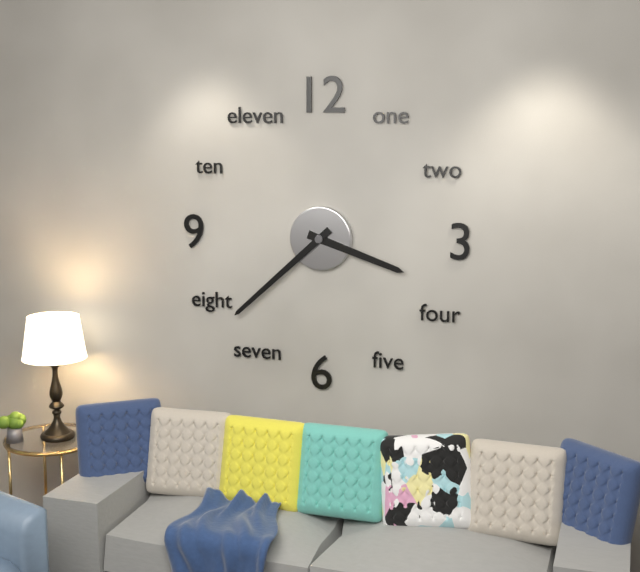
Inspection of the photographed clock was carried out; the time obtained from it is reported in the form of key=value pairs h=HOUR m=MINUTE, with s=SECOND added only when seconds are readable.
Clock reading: h=3 m=38
